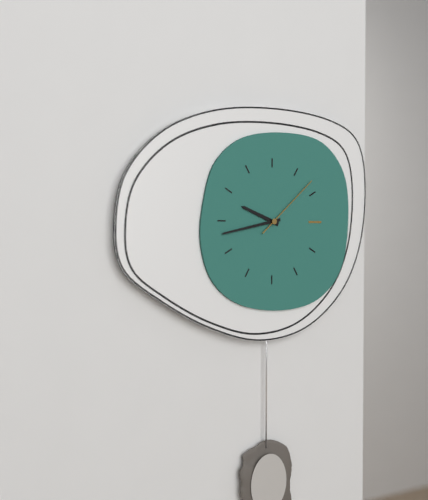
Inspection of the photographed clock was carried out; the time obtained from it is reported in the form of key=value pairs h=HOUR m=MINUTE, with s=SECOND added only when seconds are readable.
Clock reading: h=9 m=43 s=8
